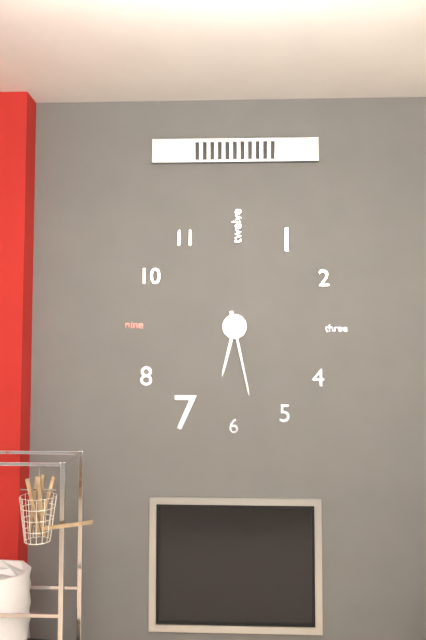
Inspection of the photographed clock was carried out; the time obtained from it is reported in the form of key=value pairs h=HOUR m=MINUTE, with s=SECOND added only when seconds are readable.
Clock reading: h=6 m=28
